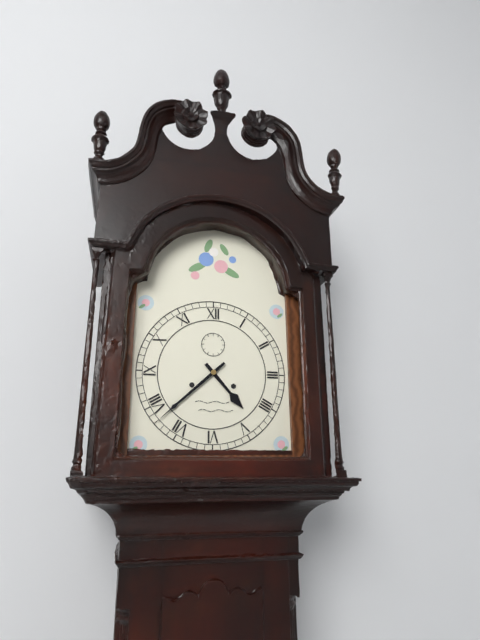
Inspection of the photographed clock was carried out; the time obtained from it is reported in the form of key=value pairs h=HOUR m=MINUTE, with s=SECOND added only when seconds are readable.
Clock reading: h=4 m=38
